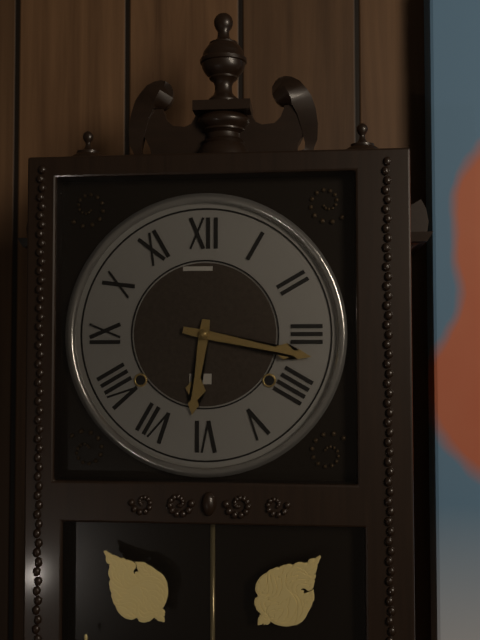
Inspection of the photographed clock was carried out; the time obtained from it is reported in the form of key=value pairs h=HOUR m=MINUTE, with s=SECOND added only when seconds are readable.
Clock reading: h=6 m=17
